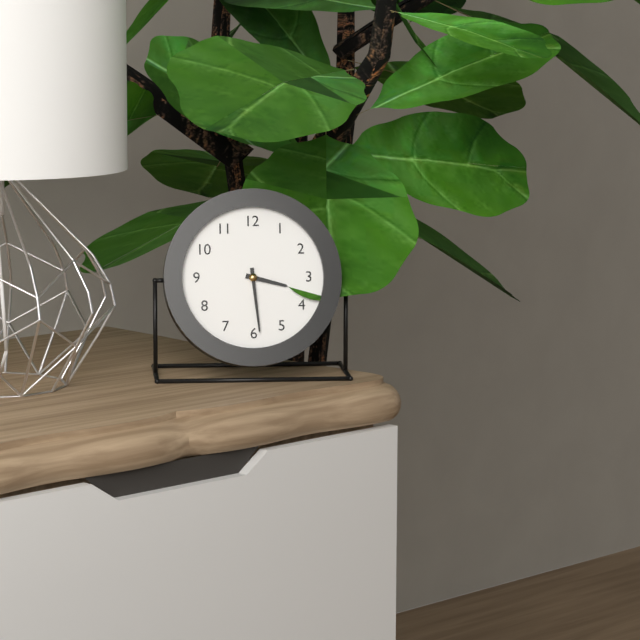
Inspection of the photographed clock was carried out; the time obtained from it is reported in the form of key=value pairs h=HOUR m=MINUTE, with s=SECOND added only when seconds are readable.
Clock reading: h=3 m=29
